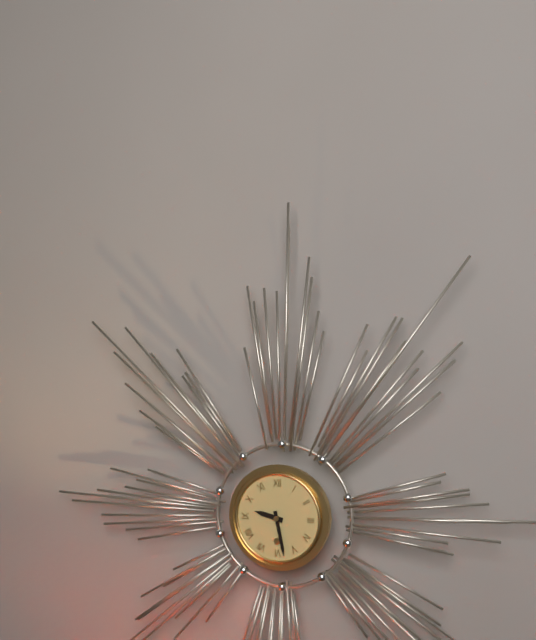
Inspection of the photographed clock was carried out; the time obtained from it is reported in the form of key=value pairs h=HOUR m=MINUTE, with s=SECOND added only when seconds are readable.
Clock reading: h=9 m=28
